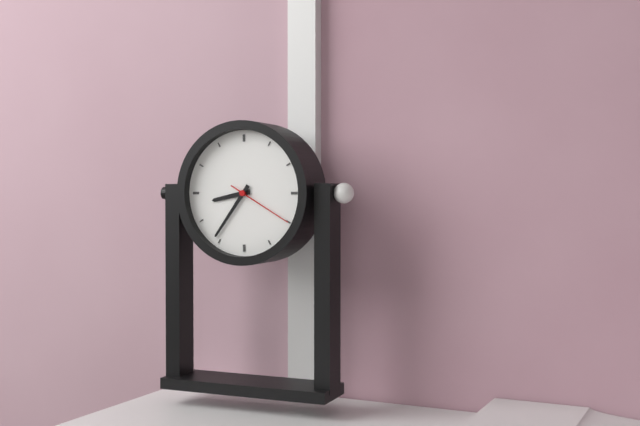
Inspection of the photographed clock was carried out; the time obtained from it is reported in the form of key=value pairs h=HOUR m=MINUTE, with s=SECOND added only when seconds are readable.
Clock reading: h=8 m=36 s=20
